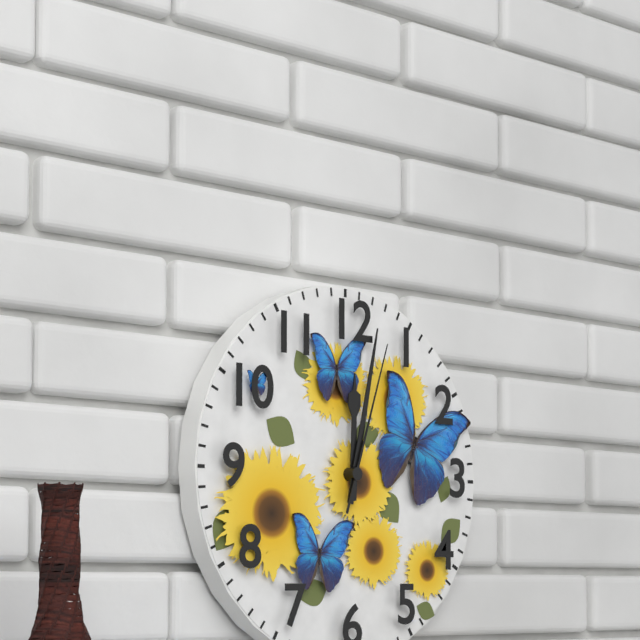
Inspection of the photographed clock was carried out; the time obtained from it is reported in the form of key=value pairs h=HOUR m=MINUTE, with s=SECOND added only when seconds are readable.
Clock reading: h=12 m=2 s=3
